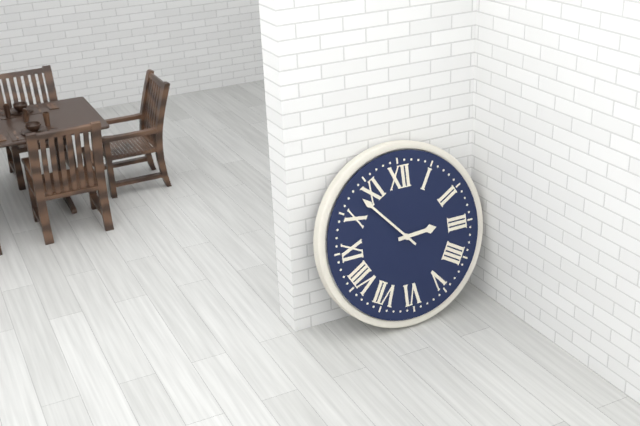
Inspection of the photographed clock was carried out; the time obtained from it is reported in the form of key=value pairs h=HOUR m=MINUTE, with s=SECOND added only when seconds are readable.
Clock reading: h=2 m=53
